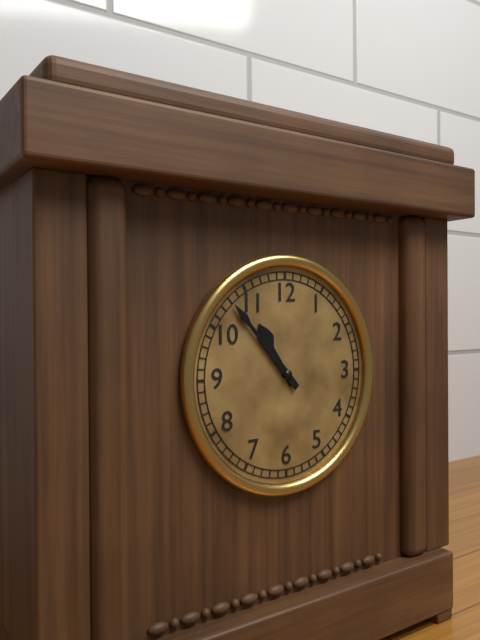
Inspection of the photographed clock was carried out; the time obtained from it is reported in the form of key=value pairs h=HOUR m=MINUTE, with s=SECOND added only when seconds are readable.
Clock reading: h=10 m=53
